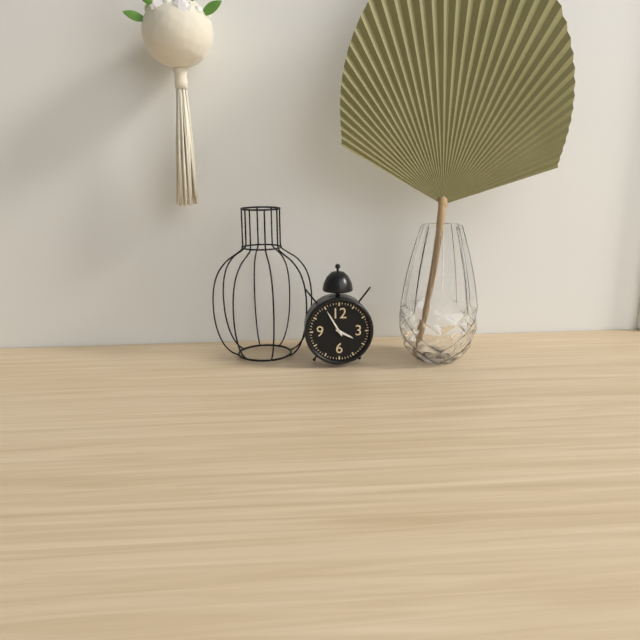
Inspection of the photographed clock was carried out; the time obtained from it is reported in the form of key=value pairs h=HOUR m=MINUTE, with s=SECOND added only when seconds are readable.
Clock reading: h=3 m=55
